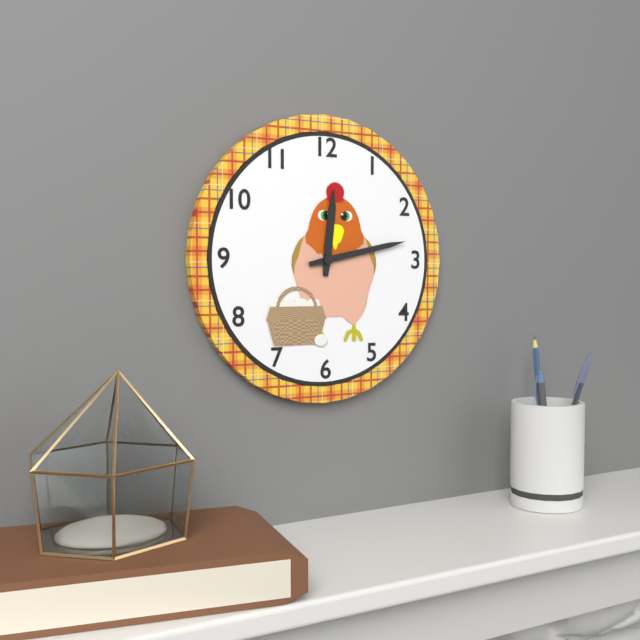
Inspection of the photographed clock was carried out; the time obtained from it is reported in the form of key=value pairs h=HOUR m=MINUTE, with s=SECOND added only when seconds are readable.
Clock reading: h=12 m=13
